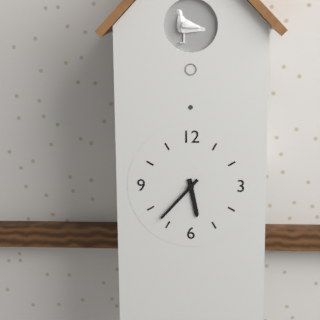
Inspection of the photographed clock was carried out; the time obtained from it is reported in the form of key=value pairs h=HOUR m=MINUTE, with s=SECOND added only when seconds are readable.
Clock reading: h=5 m=37
